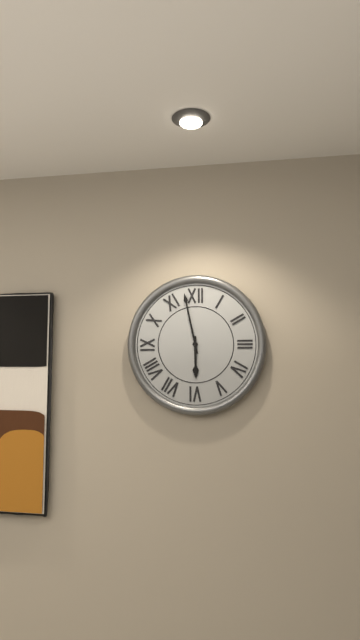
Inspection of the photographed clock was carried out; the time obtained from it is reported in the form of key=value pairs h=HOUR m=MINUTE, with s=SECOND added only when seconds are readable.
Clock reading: h=5 m=58
